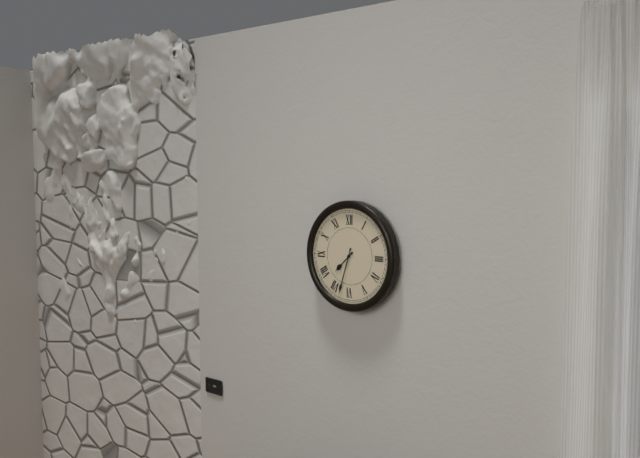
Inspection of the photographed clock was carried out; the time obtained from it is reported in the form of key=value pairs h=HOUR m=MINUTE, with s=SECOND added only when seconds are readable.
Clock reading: h=7 m=33
